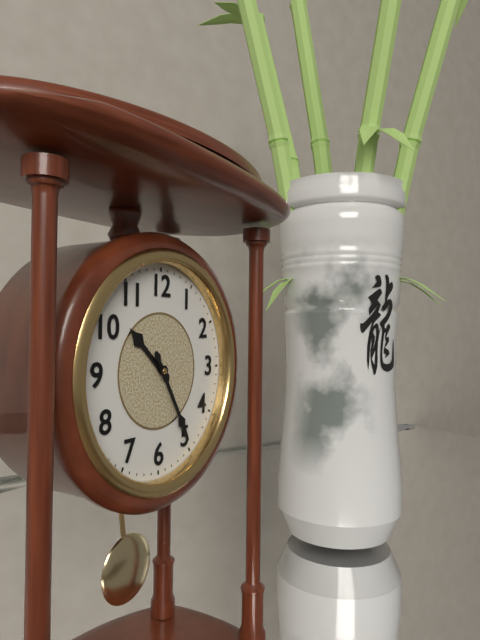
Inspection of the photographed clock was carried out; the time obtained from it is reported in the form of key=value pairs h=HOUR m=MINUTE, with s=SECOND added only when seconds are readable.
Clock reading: h=10 m=25
